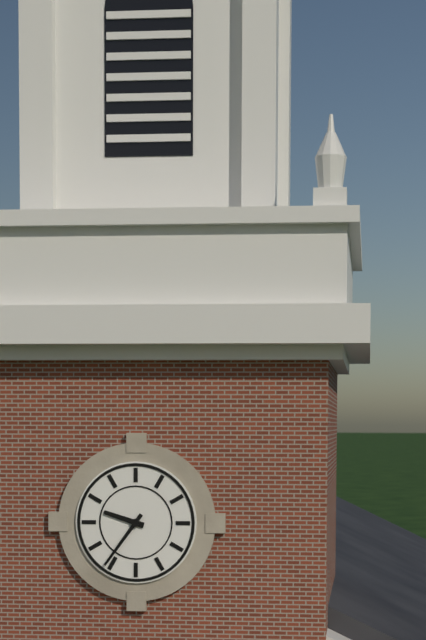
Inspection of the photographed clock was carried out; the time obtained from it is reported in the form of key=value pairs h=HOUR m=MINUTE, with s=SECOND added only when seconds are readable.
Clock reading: h=9 m=36
